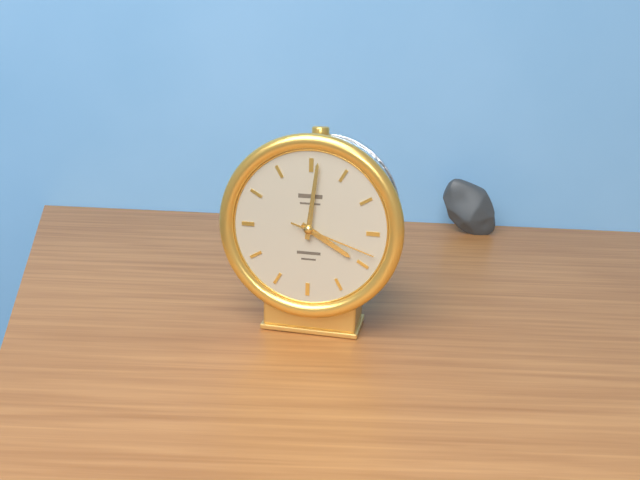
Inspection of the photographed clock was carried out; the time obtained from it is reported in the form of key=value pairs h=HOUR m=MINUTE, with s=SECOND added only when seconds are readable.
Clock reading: h=4 m=1 s=18
